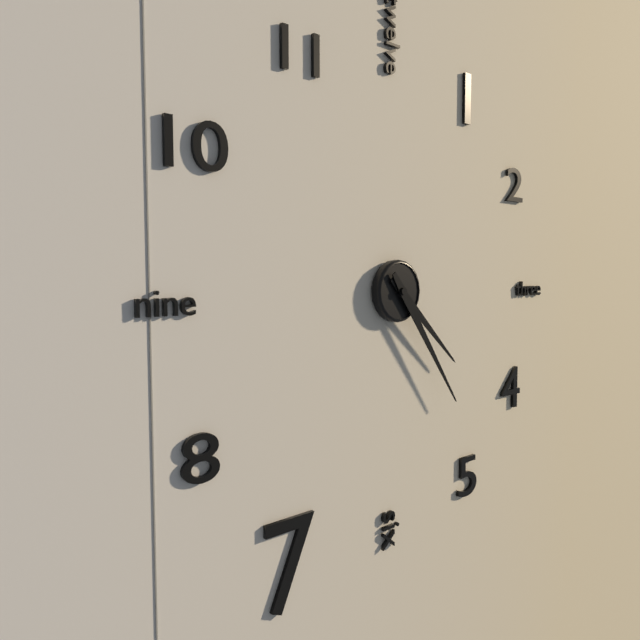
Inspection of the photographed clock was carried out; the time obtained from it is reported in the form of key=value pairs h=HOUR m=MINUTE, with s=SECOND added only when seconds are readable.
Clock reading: h=4 m=24
